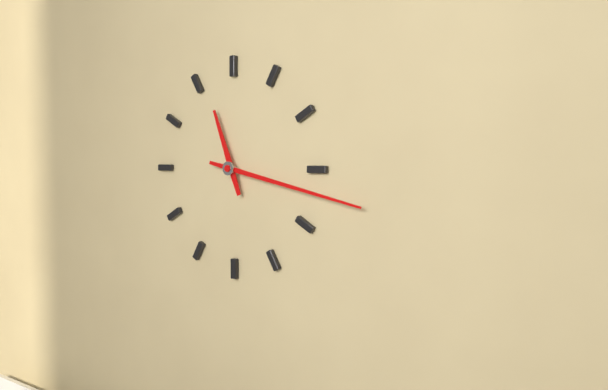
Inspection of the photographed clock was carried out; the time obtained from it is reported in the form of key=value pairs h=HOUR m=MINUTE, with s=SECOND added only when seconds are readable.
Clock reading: h=11 m=17
